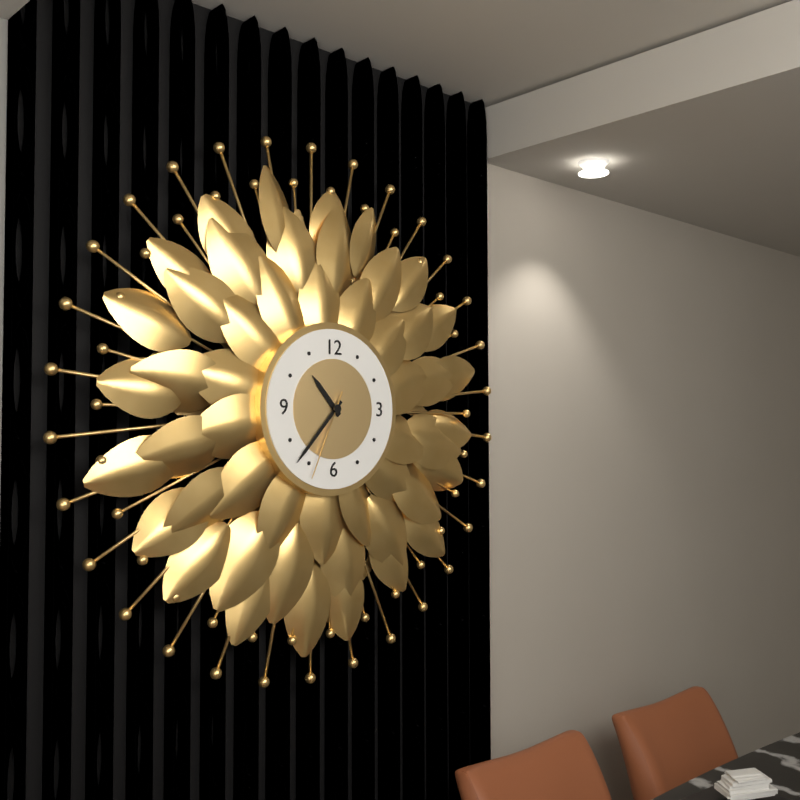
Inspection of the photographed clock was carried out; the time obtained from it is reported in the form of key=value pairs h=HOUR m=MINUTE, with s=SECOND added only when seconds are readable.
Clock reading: h=10 m=37 s=34
